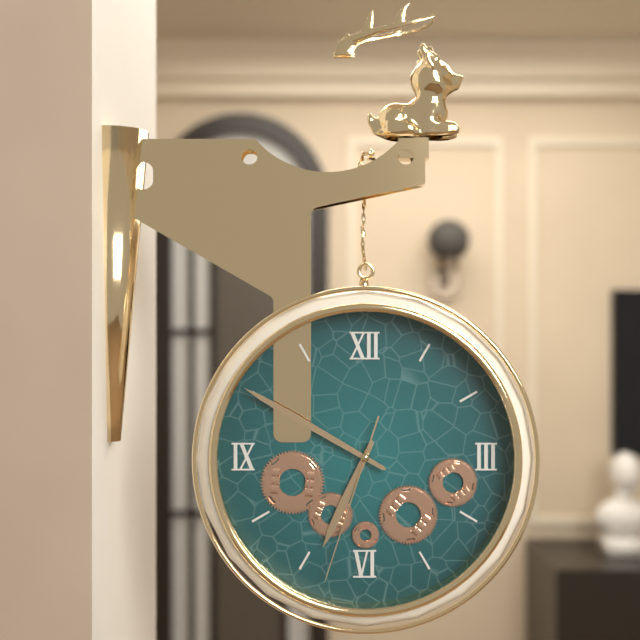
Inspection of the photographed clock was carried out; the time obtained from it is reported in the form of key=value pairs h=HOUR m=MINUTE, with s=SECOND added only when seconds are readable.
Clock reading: h=6 m=50 s=33
